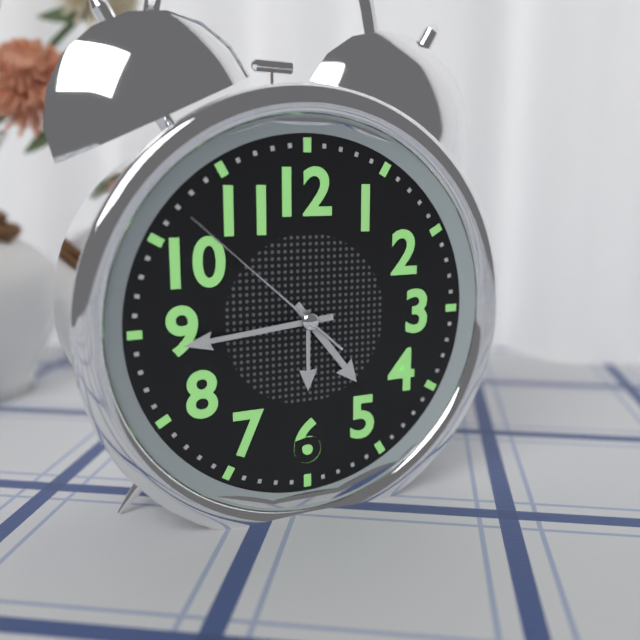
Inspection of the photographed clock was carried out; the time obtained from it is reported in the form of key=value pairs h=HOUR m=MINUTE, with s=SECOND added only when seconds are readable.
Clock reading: h=4 m=44 s=52
